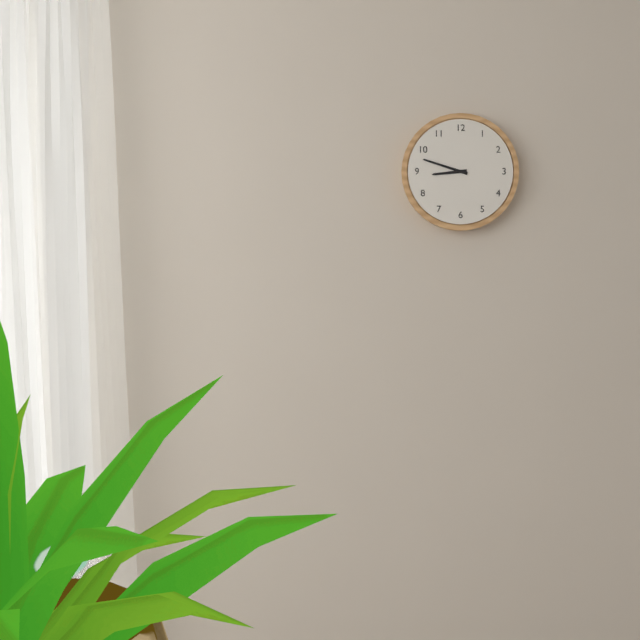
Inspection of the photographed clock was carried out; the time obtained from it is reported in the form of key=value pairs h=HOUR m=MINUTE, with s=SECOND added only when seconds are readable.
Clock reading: h=8 m=48
